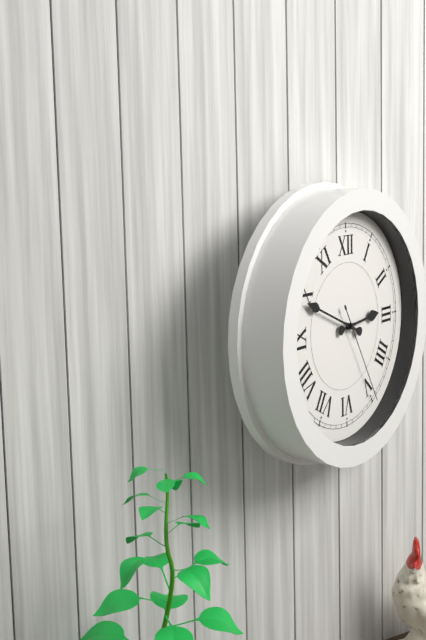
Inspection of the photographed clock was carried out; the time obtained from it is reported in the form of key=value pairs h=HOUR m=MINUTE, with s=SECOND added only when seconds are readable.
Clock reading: h=2 m=49 s=25
